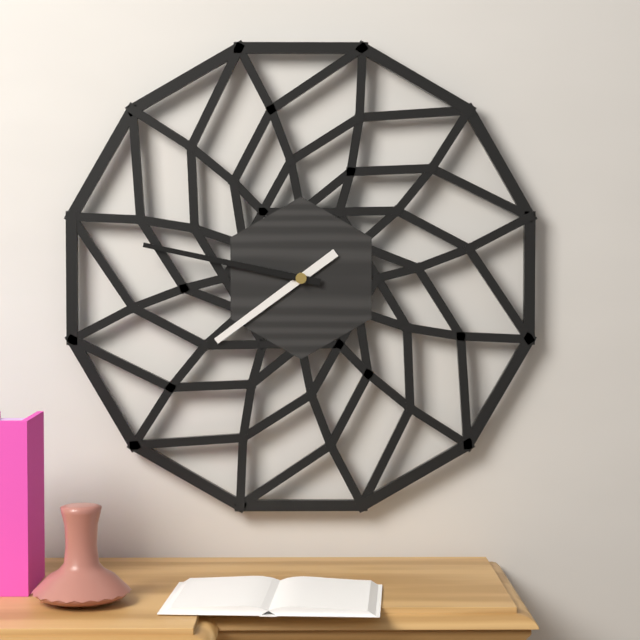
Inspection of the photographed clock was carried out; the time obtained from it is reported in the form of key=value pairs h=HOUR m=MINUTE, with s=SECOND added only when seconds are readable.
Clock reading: h=7 m=47
